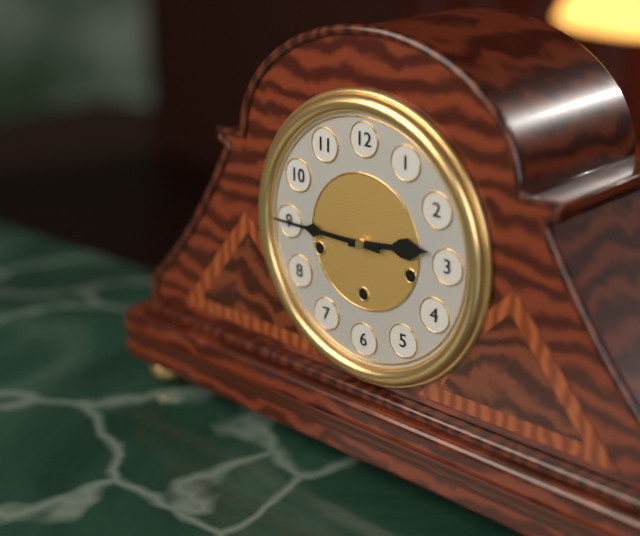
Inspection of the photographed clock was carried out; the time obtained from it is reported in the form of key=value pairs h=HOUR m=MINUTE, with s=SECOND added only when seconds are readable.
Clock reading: h=2 m=45
